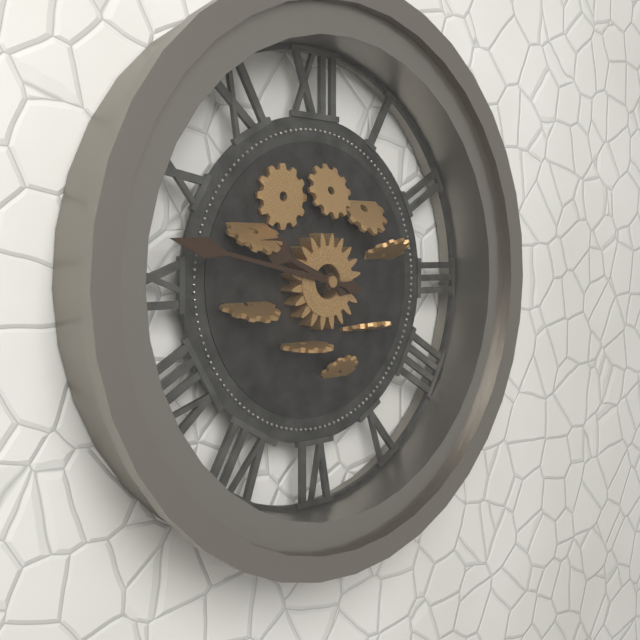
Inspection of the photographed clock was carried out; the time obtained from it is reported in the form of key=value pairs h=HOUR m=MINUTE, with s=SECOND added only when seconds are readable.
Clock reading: h=9 m=47
